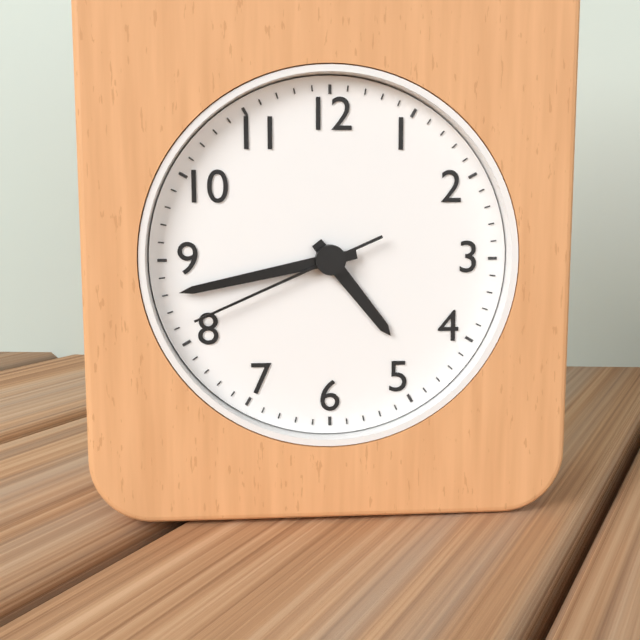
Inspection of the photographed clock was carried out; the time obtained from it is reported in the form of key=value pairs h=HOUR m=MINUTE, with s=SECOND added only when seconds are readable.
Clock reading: h=4 m=43 s=41
